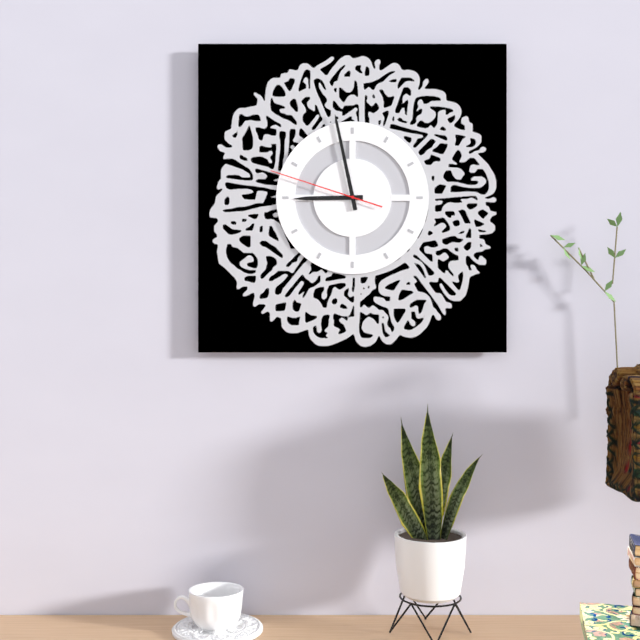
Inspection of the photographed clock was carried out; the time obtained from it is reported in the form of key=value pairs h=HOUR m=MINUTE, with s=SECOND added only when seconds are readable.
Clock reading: h=8 m=58 s=48
